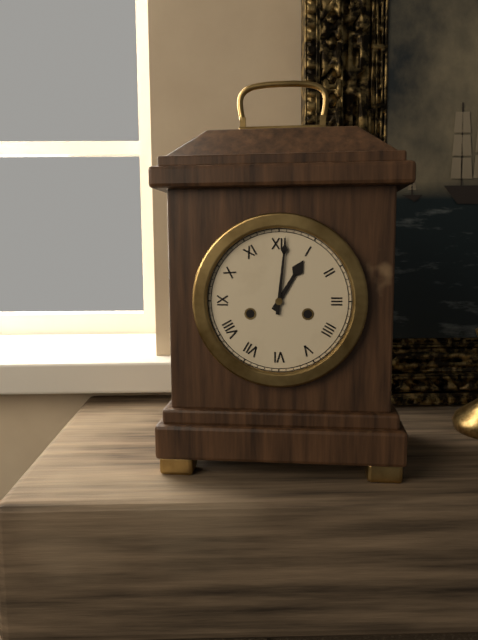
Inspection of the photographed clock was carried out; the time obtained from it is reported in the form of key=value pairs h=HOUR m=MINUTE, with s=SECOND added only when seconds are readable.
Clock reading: h=1 m=1
